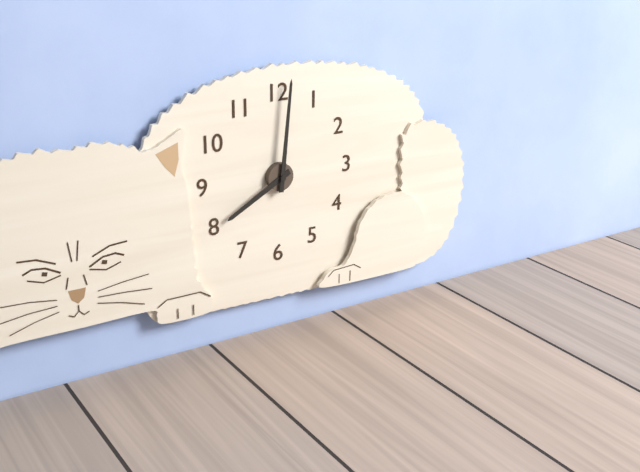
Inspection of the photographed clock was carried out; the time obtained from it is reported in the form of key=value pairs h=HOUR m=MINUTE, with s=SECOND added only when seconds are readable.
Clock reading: h=8 m=1
